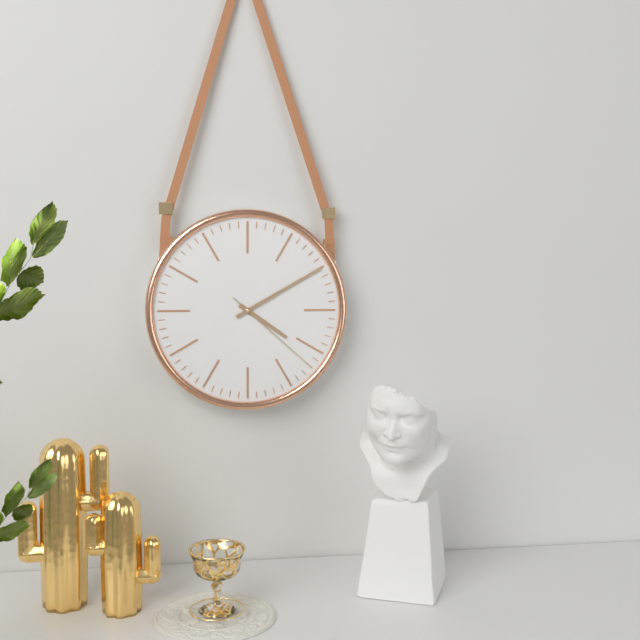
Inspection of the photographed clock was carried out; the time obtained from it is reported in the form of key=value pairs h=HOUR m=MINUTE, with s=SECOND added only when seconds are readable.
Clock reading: h=4 m=10 s=22
